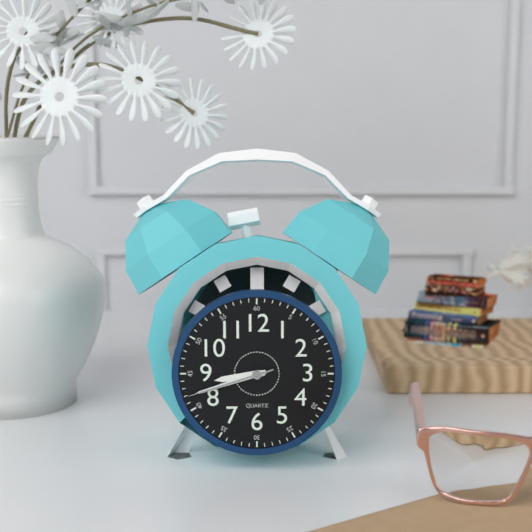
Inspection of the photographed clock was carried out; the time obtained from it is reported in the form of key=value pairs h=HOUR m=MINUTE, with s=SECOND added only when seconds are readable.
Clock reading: h=8 m=42 s=42
